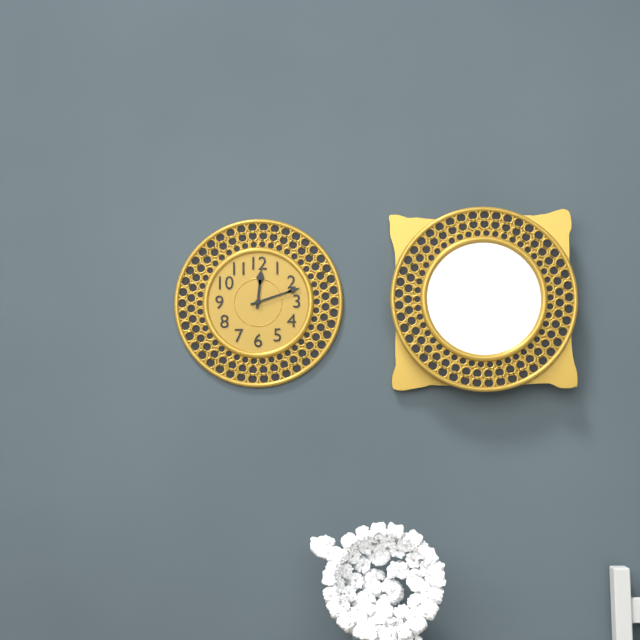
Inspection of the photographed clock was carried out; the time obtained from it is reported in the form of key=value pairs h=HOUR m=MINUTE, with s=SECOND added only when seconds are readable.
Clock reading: h=12 m=12
